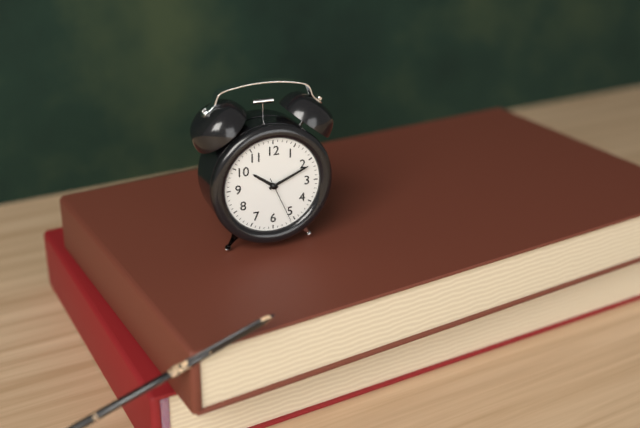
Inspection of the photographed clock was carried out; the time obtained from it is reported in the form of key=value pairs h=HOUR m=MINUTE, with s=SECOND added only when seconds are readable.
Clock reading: h=10 m=11
